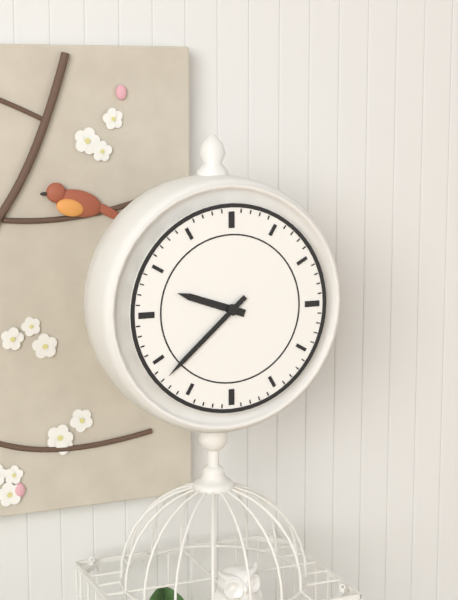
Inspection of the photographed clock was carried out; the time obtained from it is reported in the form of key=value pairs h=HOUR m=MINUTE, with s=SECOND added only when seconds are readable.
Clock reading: h=9 m=38
